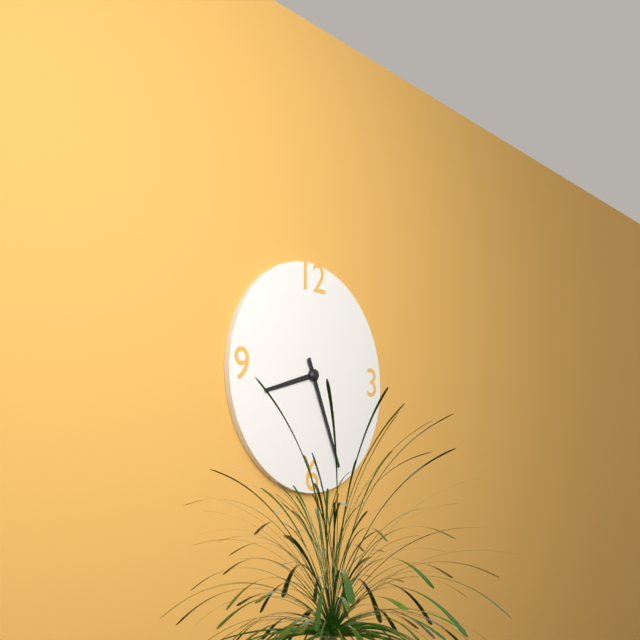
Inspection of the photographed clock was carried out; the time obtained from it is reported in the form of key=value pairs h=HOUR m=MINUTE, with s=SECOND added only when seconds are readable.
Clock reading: h=8 m=26
